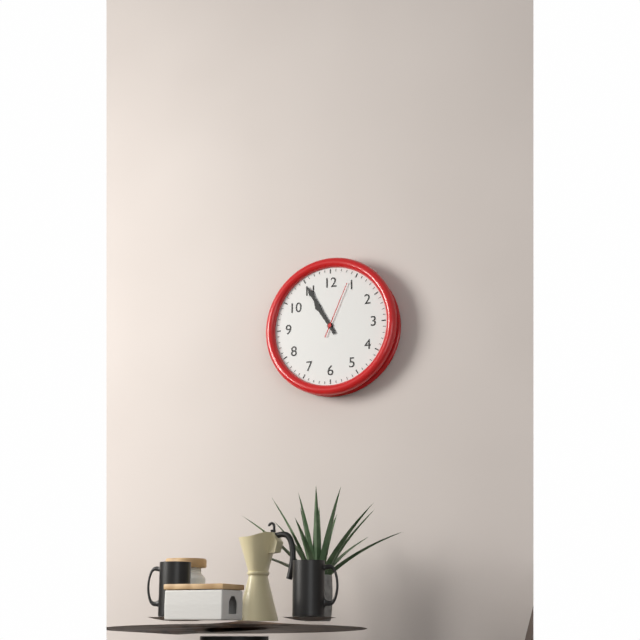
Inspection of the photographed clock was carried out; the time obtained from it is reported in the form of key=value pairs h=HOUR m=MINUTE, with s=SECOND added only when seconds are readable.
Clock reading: h=10 m=55 s=4
